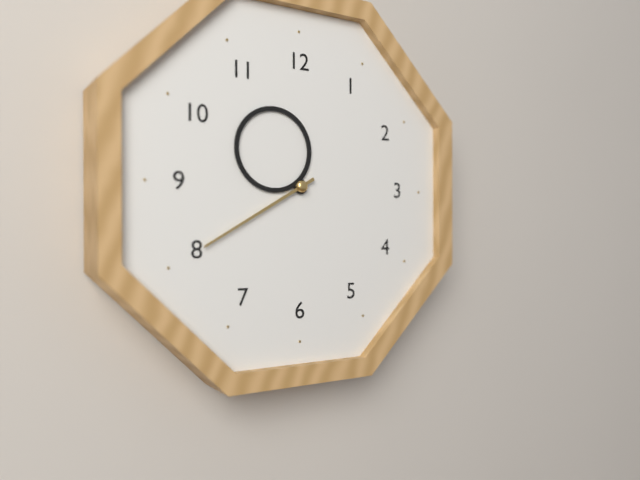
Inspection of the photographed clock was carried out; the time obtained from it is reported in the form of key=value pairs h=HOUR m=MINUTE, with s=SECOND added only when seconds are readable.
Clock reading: h=10 m=40
